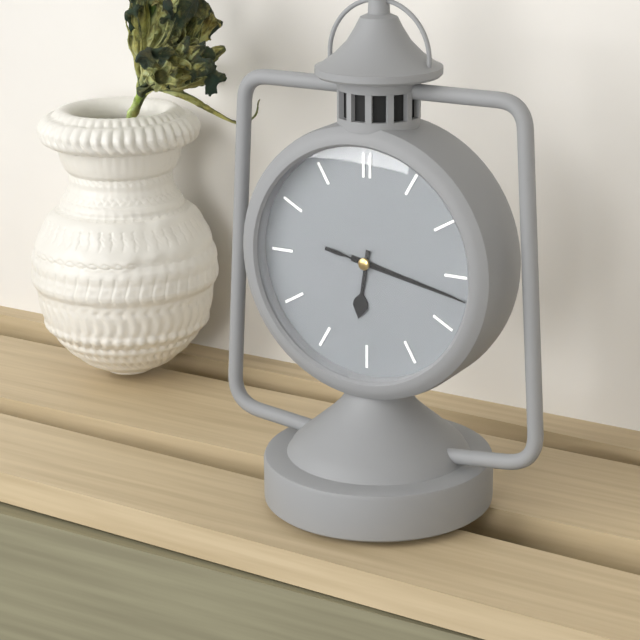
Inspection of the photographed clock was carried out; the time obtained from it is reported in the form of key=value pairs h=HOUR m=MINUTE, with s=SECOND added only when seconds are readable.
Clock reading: h=6 m=17 s=17
